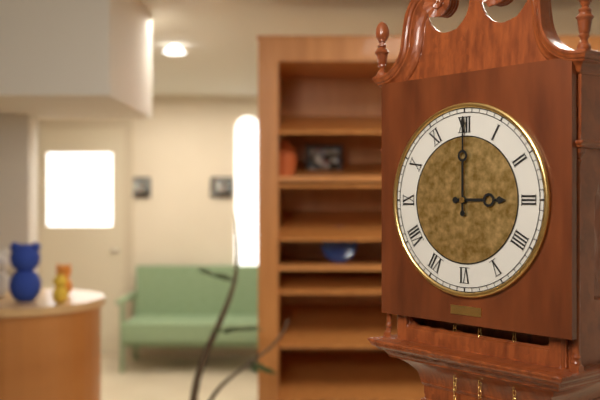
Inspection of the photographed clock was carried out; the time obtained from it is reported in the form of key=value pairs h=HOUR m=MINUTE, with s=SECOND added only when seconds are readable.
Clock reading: h=3 m=0
